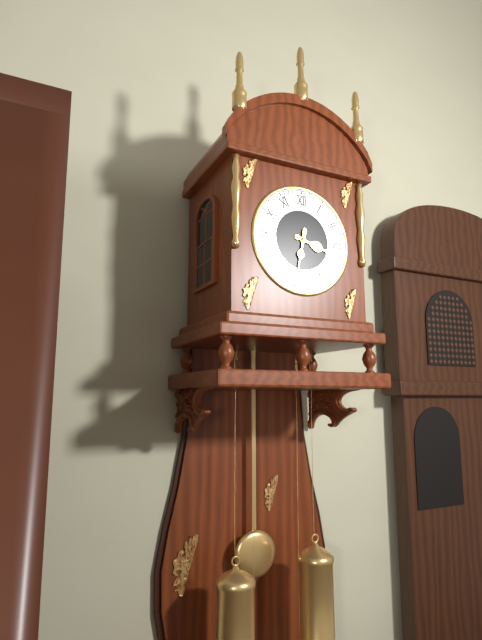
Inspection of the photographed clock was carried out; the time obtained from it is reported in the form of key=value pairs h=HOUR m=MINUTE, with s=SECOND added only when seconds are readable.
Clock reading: h=3 m=32
